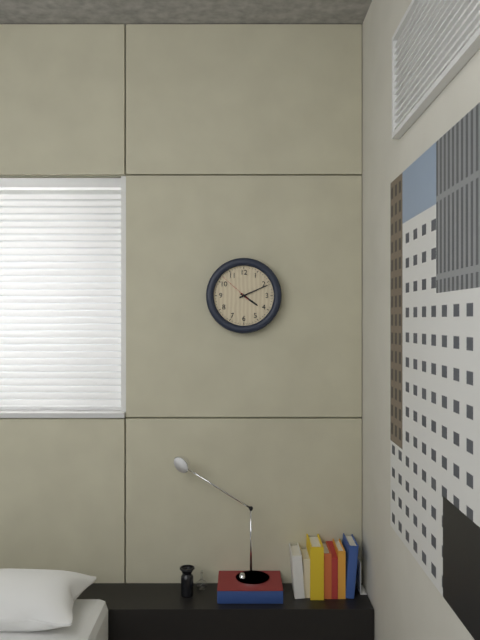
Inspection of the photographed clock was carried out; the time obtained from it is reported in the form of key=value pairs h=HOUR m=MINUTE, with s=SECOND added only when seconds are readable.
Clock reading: h=4 m=11
